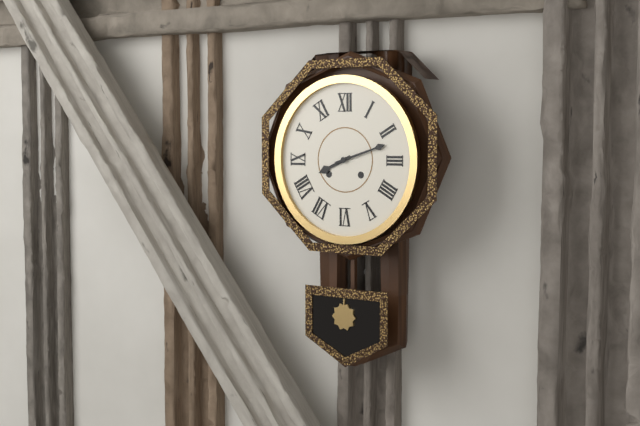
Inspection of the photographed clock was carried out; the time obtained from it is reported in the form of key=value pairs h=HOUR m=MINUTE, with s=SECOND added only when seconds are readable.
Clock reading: h=8 m=12
